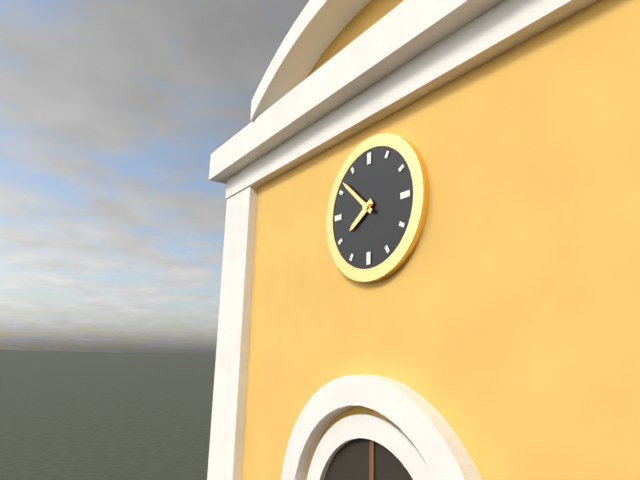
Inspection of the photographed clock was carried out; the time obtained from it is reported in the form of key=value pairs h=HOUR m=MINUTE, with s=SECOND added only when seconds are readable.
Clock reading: h=7 m=52
